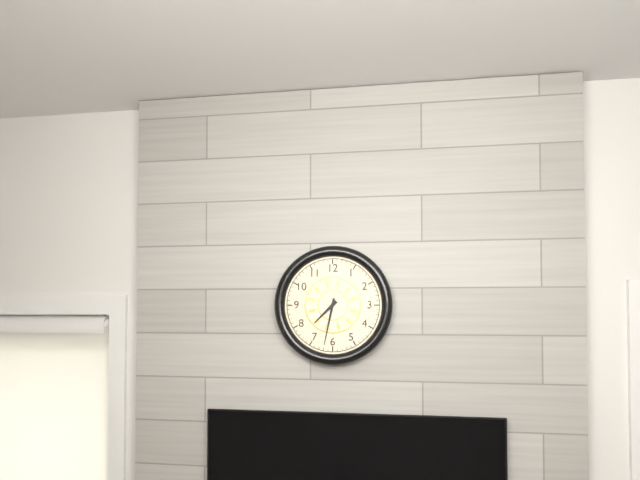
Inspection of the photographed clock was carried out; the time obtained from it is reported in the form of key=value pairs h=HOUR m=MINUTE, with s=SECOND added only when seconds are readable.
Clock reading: h=7 m=32
